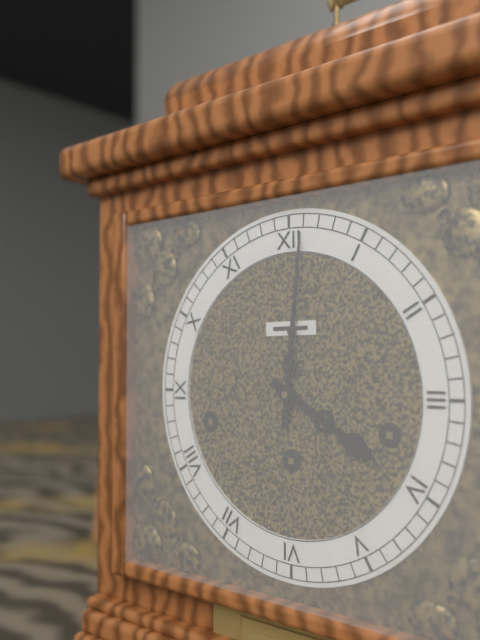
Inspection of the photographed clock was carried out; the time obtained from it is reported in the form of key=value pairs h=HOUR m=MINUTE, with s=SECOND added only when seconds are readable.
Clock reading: h=4 m=1
